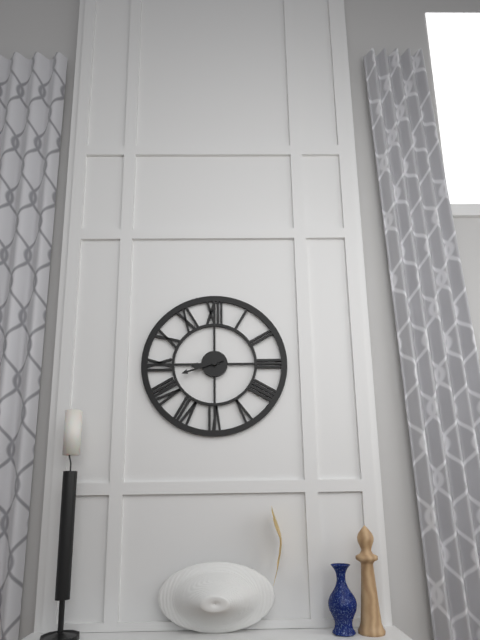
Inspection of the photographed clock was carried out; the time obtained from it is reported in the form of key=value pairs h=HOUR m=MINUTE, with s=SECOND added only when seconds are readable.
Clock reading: h=8 m=42
